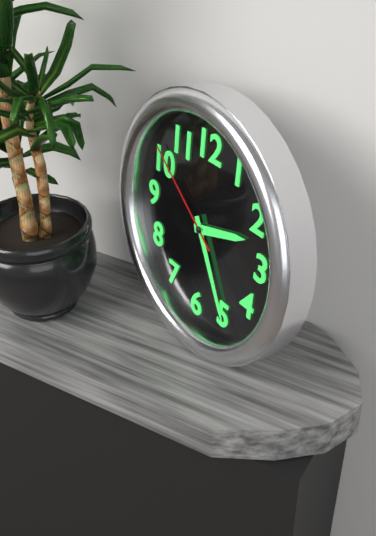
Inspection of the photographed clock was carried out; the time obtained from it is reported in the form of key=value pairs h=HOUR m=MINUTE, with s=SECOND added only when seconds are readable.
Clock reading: h=2 m=25 s=51
